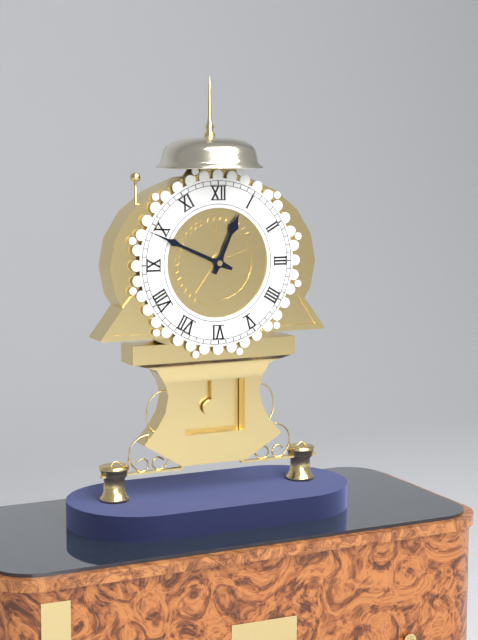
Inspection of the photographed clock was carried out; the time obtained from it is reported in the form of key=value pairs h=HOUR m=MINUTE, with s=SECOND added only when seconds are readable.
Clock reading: h=12 m=49
